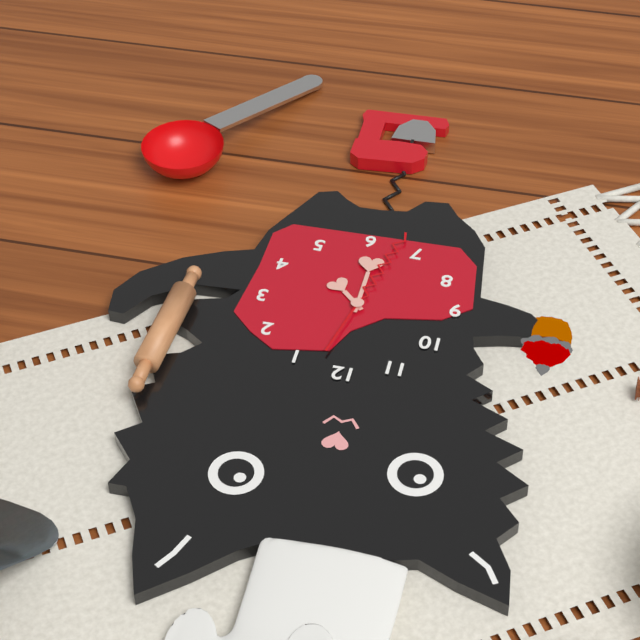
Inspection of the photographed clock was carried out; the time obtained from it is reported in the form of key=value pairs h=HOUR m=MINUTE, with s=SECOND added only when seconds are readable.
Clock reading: h=4 m=30 s=32
